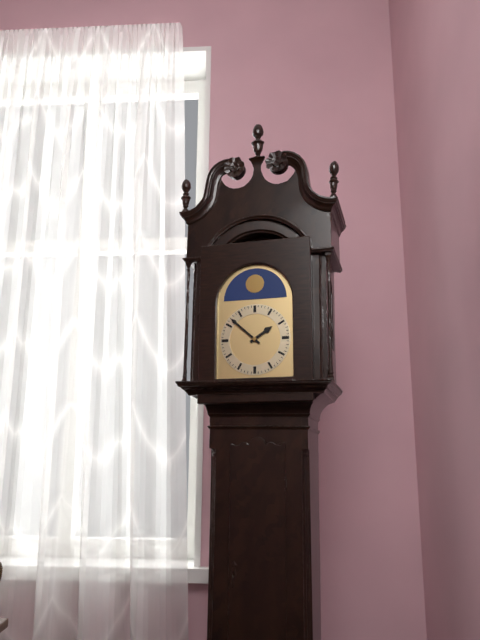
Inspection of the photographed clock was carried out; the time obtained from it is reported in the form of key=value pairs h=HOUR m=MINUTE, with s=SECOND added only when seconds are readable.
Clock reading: h=1 m=52
